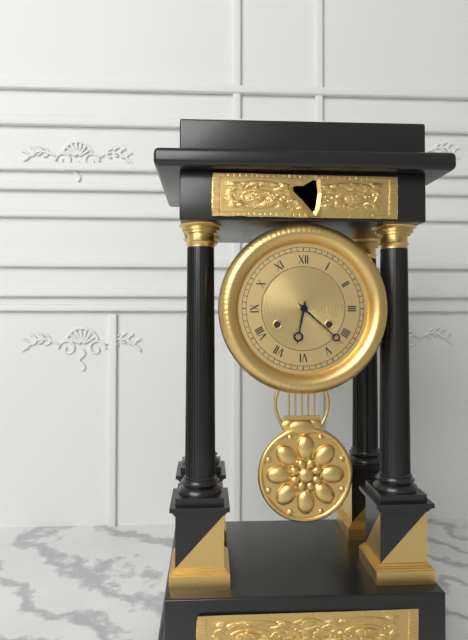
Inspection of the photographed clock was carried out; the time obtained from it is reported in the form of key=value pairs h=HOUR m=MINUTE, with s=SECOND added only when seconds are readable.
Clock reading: h=6 m=22
